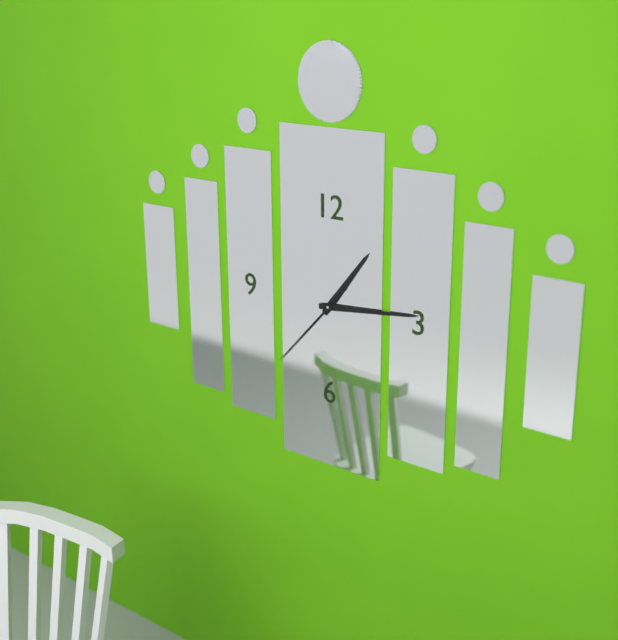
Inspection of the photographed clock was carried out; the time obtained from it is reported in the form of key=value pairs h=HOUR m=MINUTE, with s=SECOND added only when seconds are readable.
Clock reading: h=1 m=14 s=37
